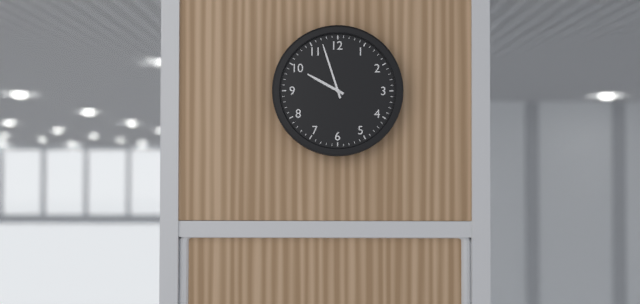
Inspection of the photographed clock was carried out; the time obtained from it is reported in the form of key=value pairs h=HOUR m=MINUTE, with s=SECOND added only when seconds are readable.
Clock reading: h=9 m=57
